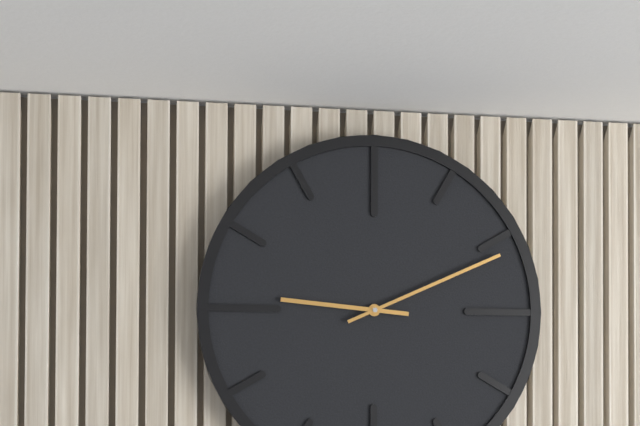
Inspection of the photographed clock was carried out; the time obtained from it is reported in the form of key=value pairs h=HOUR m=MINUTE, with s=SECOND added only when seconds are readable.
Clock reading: h=9 m=11
